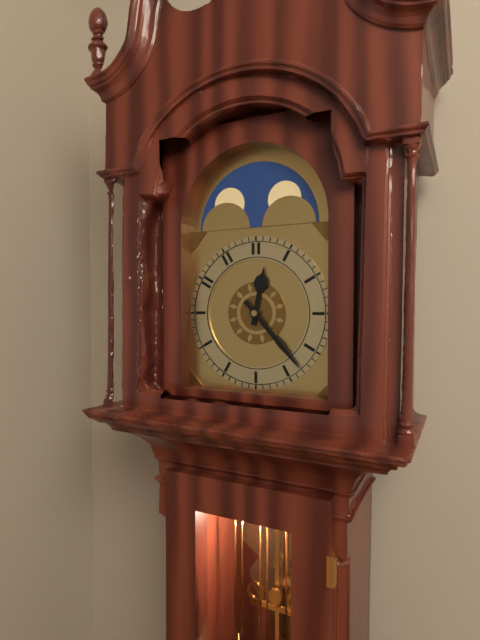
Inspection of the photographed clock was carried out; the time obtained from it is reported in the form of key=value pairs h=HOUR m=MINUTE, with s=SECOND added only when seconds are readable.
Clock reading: h=12 m=23
